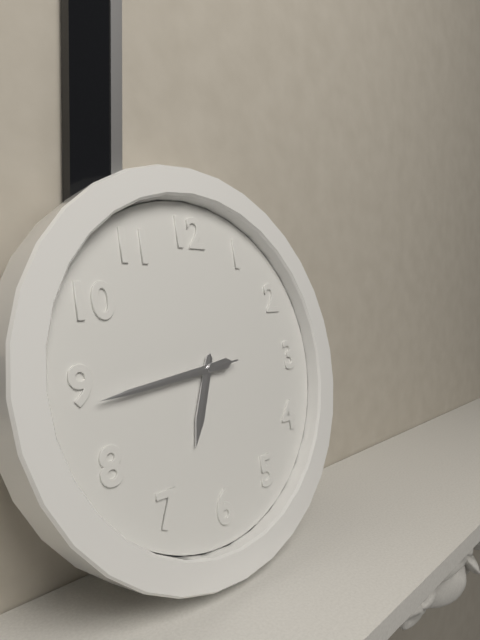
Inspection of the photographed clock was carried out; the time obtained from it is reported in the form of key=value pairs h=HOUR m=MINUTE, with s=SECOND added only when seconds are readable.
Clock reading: h=6 m=44 s=44
